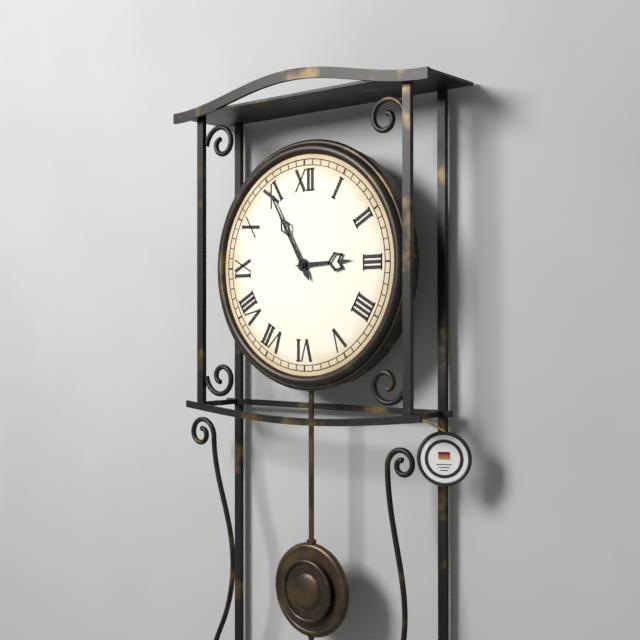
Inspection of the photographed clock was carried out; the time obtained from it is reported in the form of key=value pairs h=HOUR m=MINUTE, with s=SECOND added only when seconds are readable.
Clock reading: h=2 m=55
